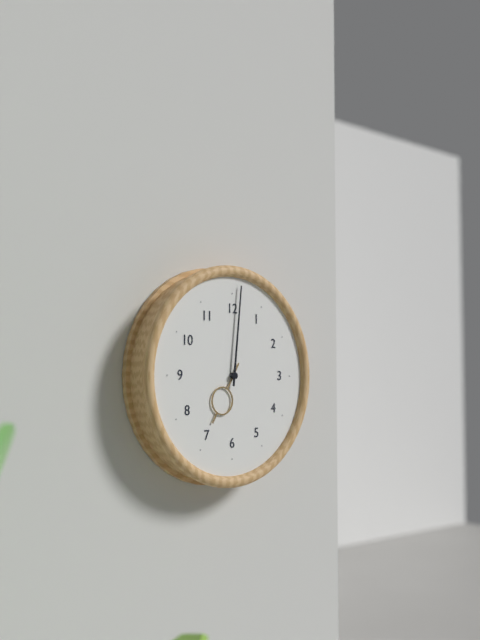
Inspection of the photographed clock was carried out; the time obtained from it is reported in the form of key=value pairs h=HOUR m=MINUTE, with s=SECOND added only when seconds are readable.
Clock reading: h=7 m=1
